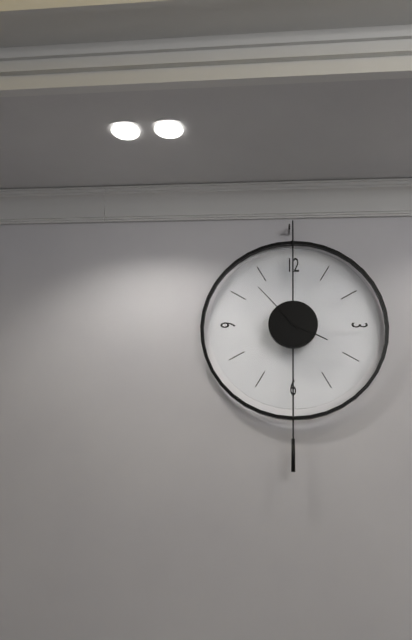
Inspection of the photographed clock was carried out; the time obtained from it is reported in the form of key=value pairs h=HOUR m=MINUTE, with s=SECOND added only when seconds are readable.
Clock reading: h=3 m=53
